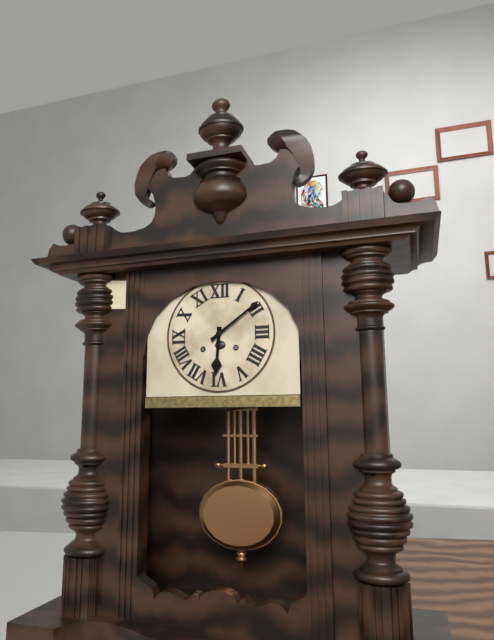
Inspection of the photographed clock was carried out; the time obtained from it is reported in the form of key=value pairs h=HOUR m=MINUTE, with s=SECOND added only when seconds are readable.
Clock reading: h=6 m=9
